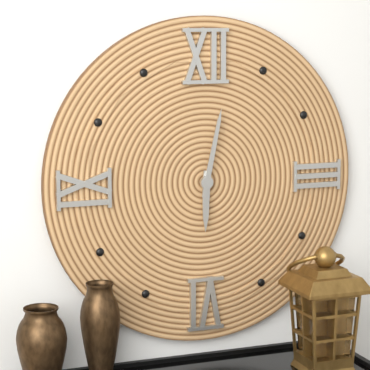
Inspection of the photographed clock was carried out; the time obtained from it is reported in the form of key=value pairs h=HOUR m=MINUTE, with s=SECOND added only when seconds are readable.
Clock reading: h=6 m=2
